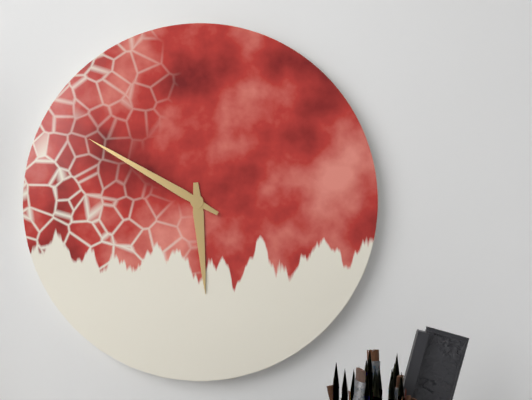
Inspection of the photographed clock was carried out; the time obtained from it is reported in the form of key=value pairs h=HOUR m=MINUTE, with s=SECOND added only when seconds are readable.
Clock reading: h=5 m=50
